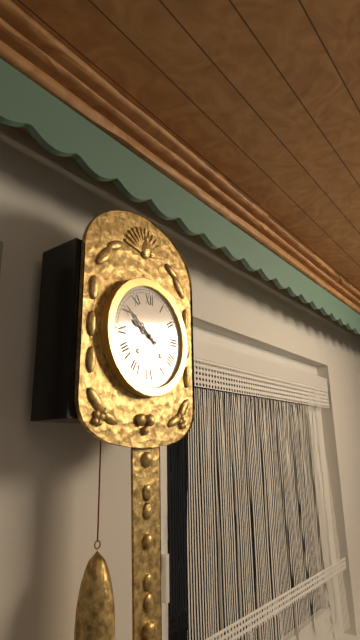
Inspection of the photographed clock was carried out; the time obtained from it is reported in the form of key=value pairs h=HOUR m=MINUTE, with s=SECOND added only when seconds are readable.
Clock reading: h=9 m=51
